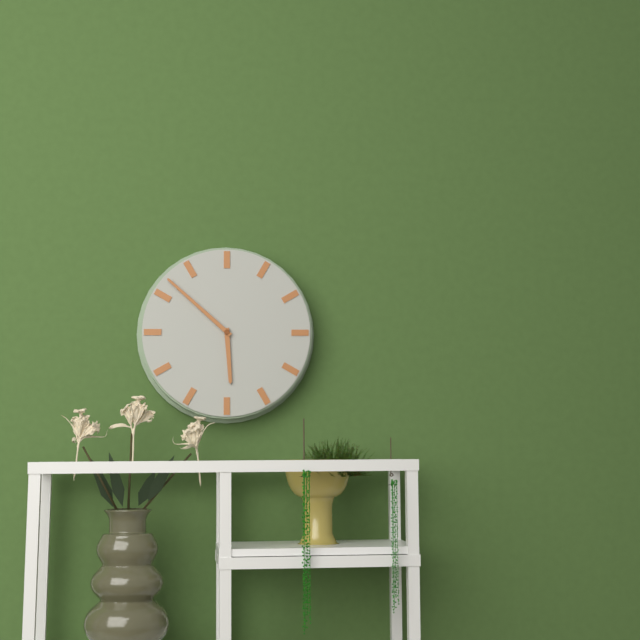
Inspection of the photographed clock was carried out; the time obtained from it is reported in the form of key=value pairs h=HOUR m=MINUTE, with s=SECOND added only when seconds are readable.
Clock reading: h=5 m=52
